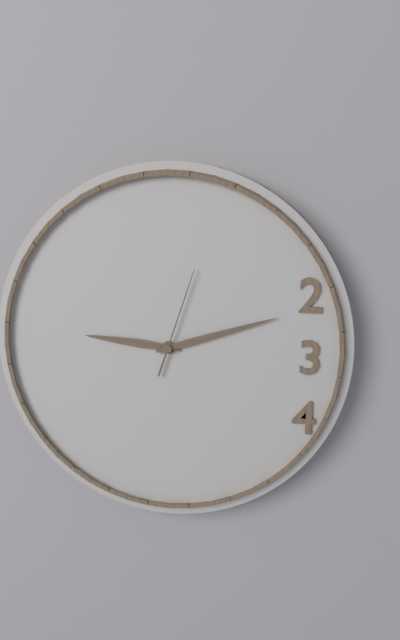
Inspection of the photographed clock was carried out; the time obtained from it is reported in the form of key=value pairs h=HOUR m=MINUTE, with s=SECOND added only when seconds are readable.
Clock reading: h=9 m=12 s=3
